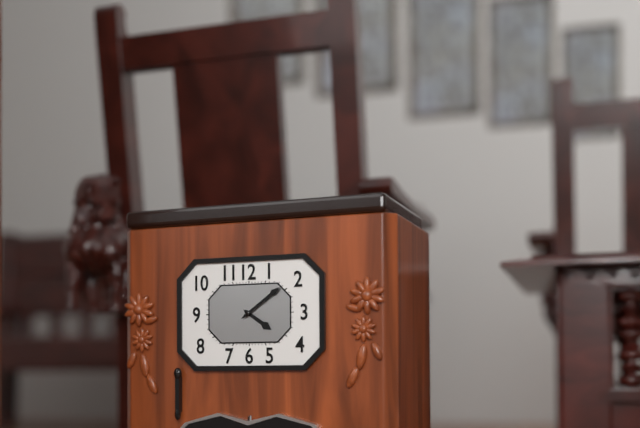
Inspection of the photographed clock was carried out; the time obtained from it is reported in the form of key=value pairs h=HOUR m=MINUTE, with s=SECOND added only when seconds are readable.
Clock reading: h=4 m=9
